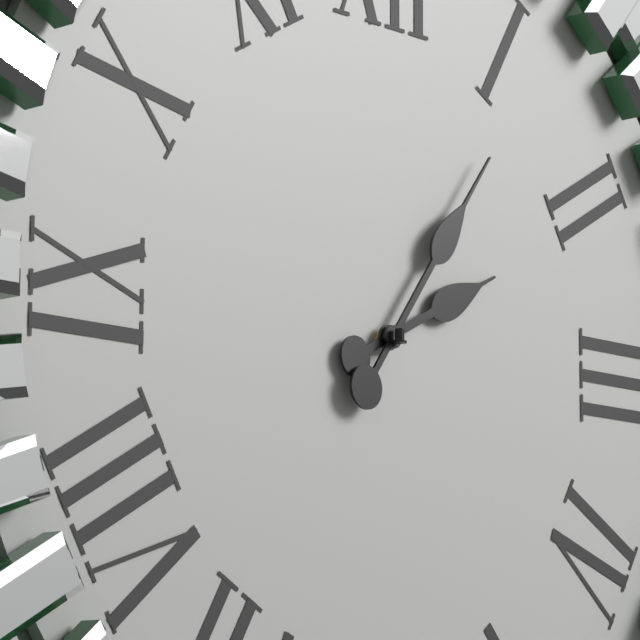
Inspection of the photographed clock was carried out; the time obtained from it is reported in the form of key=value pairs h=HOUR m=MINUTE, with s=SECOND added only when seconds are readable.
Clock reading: h=2 m=6
